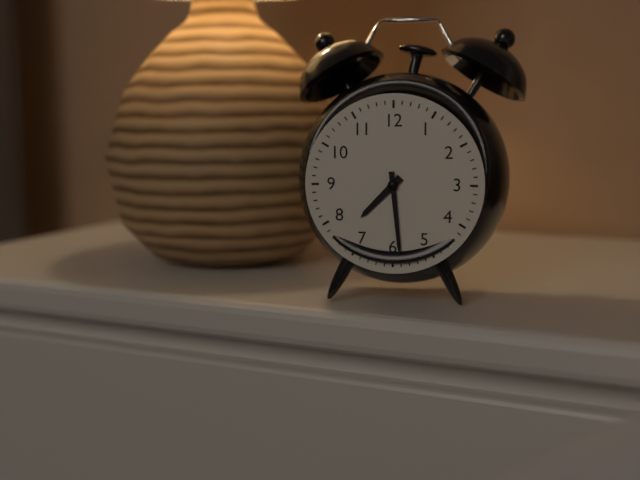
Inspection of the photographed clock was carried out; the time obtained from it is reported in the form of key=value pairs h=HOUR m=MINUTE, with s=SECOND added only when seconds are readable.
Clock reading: h=7 m=29
